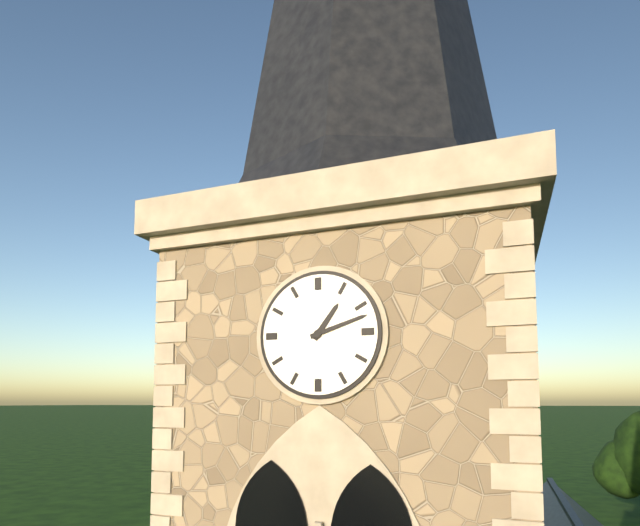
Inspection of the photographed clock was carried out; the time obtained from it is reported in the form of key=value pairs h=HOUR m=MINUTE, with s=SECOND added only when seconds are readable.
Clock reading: h=1 m=12
